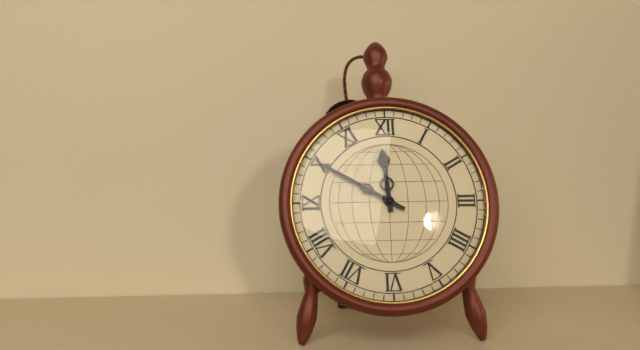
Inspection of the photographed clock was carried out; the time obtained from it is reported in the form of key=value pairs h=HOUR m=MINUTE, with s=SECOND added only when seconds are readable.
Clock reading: h=11 m=50
